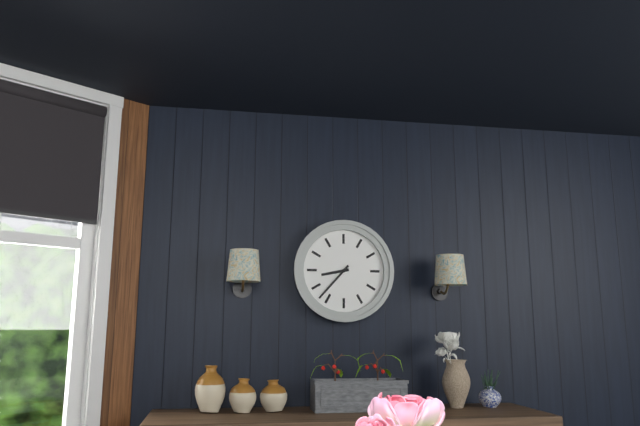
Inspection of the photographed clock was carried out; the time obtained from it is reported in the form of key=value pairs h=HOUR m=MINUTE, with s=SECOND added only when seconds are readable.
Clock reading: h=8 m=37
